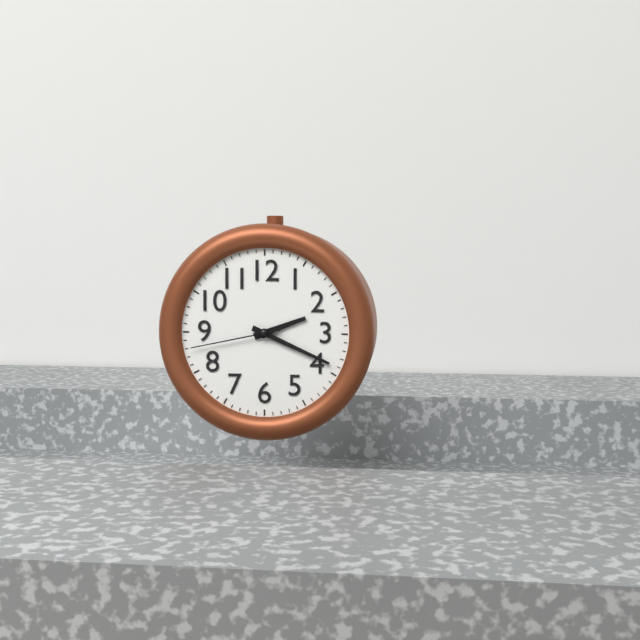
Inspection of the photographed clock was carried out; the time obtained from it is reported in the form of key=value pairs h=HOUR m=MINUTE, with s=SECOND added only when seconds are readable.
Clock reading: h=2 m=19 s=43
